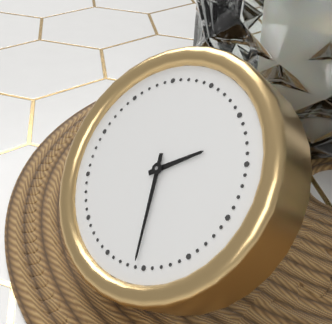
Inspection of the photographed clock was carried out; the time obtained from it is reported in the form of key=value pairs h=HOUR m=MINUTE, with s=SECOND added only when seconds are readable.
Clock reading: h=1 m=26
